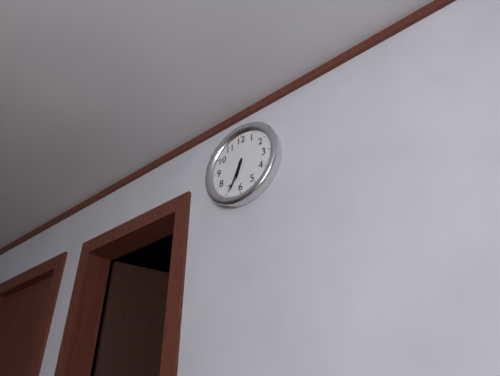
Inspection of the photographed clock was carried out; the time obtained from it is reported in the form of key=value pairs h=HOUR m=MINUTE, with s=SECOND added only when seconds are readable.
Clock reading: h=6 m=34
